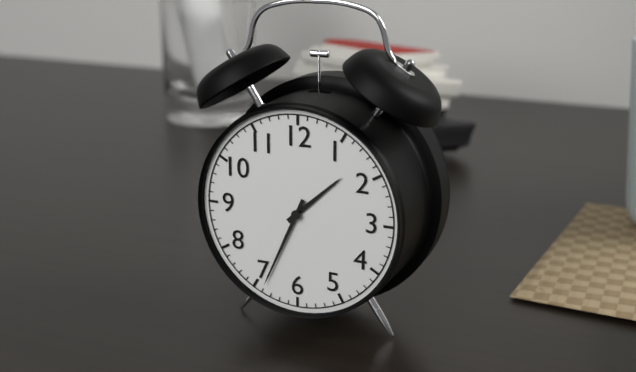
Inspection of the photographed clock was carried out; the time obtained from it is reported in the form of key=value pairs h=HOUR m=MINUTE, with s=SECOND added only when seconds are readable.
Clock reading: h=1 m=34
